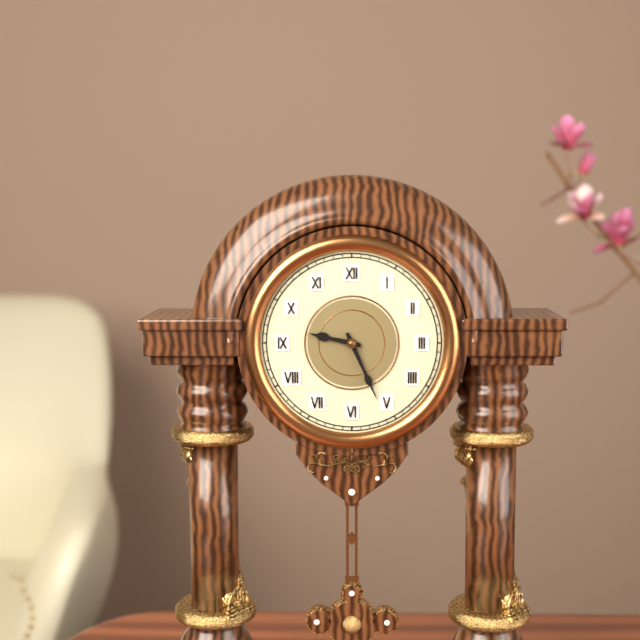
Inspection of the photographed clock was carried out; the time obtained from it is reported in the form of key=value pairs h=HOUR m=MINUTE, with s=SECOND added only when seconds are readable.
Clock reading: h=9 m=26
